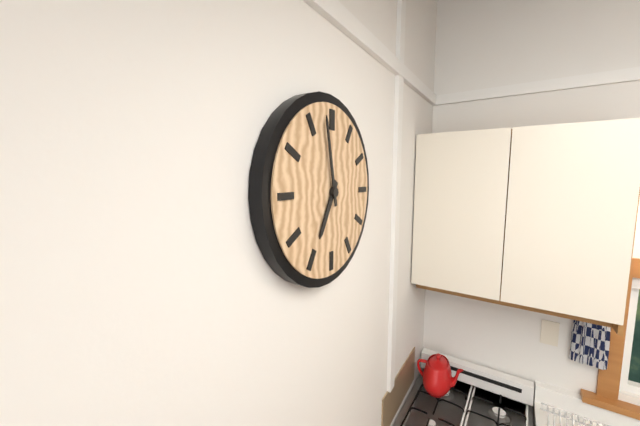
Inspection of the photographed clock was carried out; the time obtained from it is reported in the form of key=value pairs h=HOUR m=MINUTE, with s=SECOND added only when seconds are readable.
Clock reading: h=6 m=58
